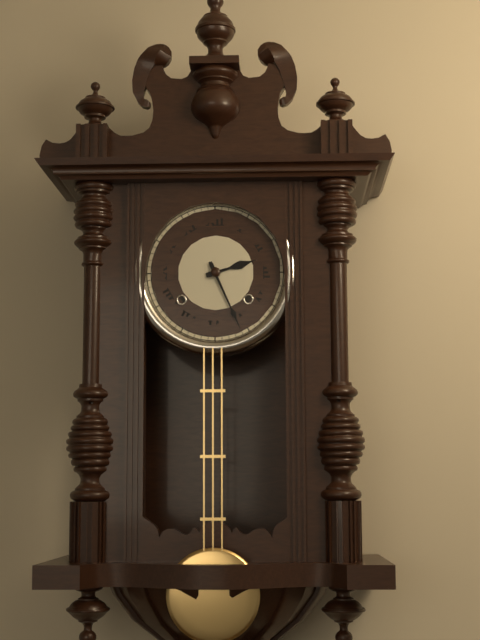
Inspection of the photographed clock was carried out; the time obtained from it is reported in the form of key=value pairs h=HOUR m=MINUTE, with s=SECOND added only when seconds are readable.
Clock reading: h=2 m=26
